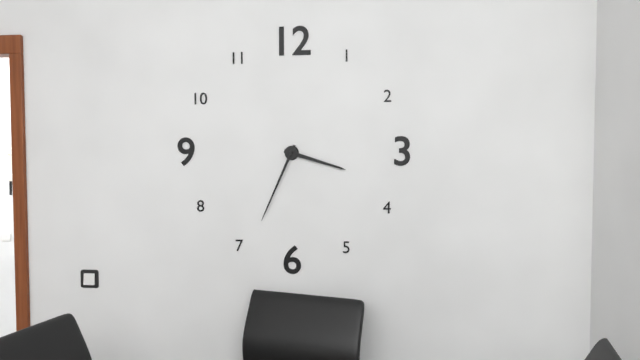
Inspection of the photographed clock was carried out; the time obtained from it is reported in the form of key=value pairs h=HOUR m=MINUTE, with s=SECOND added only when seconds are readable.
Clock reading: h=3 m=34
